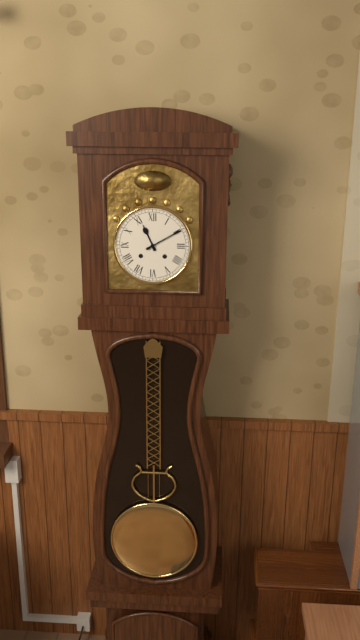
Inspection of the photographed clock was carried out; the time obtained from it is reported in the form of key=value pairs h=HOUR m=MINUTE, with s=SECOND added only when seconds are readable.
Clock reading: h=11 m=10
